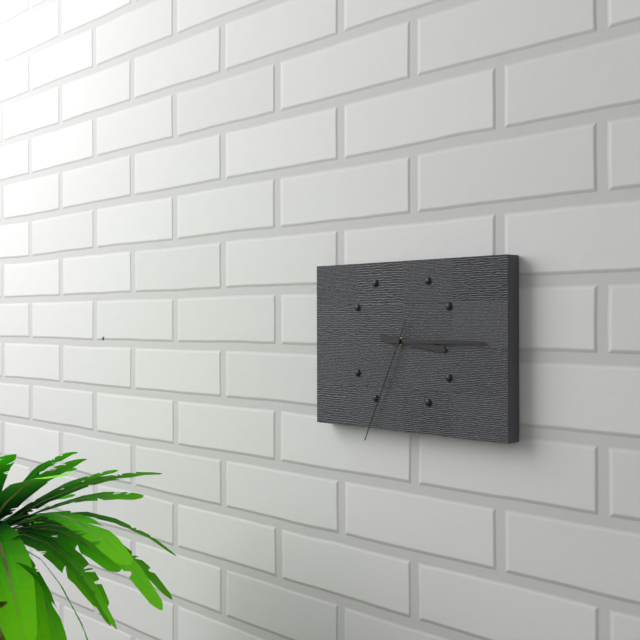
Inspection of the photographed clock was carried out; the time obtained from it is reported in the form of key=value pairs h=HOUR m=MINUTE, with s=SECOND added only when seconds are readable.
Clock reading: h=3 m=15 s=34
